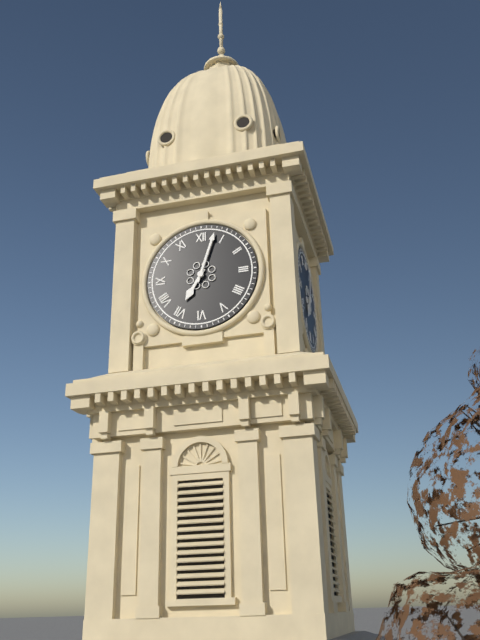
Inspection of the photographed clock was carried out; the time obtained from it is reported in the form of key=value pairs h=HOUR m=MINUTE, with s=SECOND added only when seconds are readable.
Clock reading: h=7 m=3
